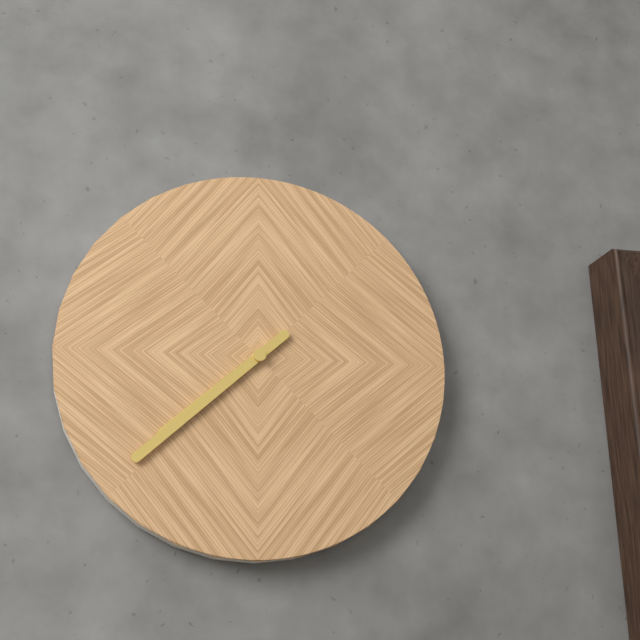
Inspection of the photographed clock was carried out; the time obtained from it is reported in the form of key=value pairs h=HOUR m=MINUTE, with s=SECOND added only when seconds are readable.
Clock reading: h=7 m=38
